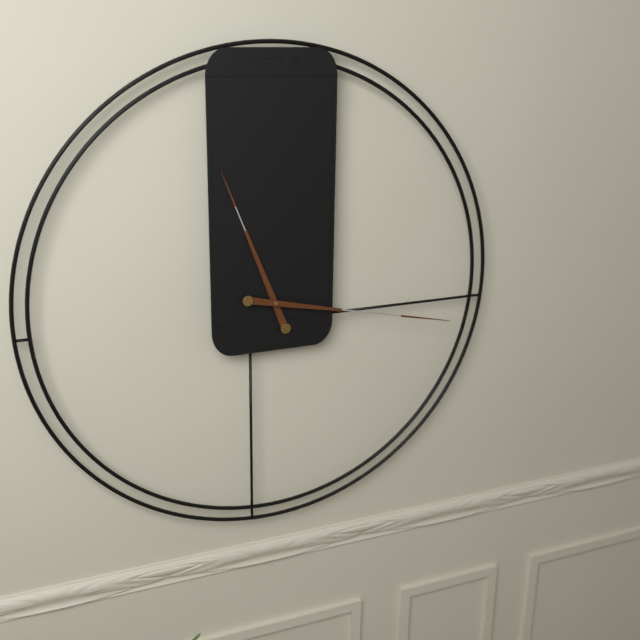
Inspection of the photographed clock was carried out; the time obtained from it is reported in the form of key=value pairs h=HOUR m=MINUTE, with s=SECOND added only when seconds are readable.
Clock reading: h=11 m=17
